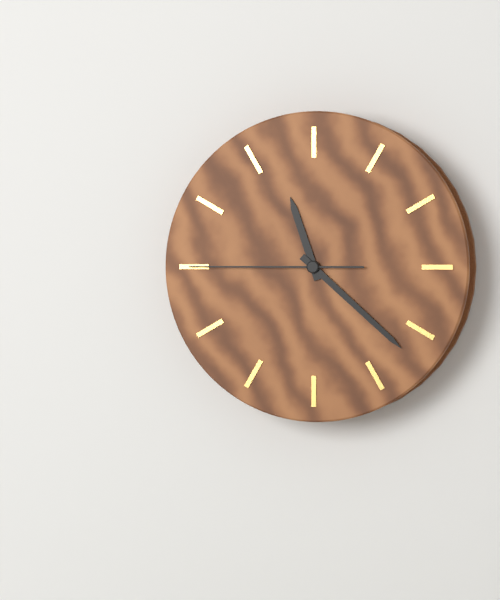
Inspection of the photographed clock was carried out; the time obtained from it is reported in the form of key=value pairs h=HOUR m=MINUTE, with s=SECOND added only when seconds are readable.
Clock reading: h=11 m=22 s=45
